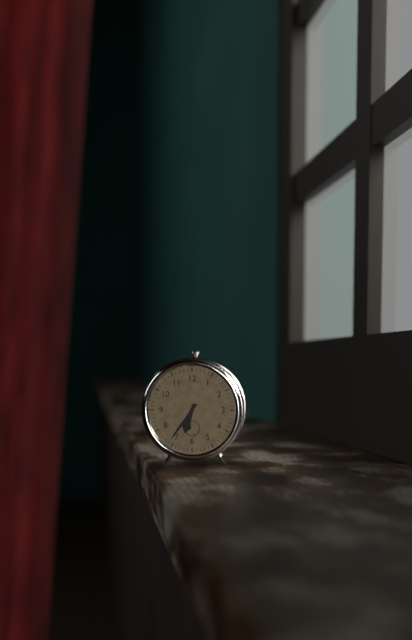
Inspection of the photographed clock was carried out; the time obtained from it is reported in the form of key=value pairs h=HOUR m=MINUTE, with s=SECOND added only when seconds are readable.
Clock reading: h=6 m=36
